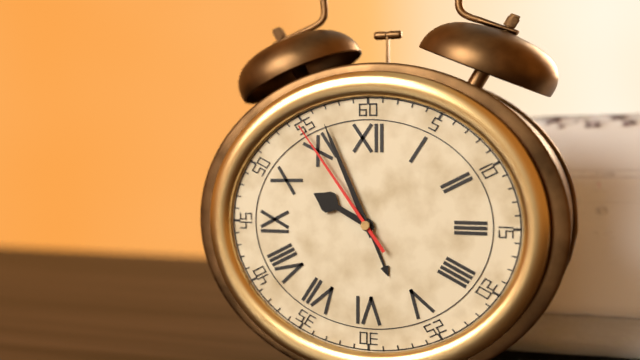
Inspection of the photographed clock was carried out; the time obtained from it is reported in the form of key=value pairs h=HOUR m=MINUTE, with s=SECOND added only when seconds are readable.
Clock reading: h=9 m=56 s=54
